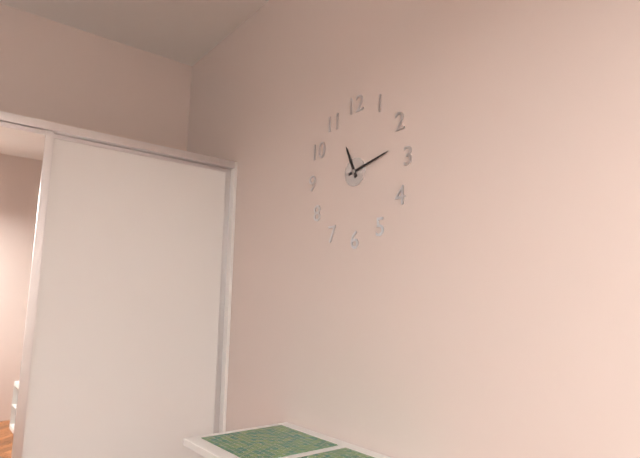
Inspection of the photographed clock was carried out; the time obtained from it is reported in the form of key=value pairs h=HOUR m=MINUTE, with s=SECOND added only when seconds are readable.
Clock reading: h=11 m=13
